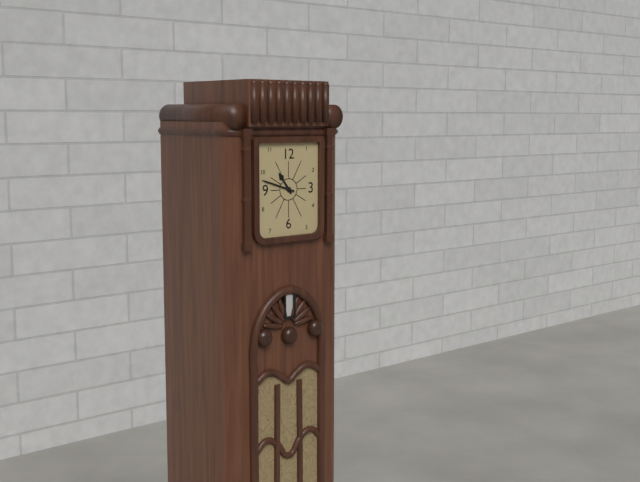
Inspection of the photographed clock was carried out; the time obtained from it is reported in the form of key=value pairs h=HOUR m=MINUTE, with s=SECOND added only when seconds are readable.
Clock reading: h=10 m=48
